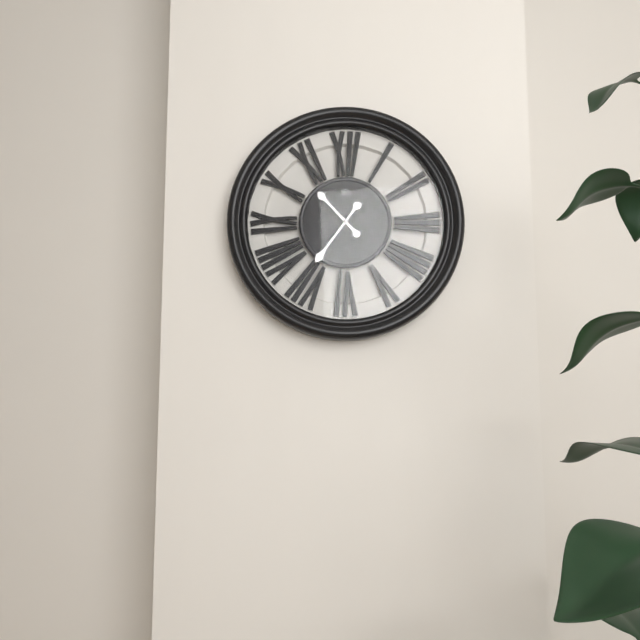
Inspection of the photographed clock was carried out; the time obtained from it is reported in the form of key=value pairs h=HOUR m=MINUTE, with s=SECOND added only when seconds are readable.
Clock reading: h=10 m=36
